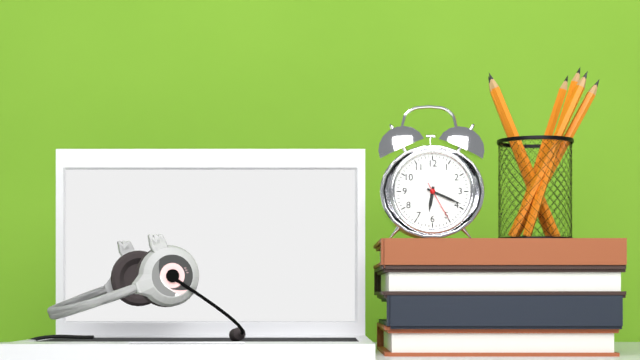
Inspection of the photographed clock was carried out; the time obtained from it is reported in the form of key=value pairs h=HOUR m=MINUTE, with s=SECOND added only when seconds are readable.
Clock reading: h=6 m=19
